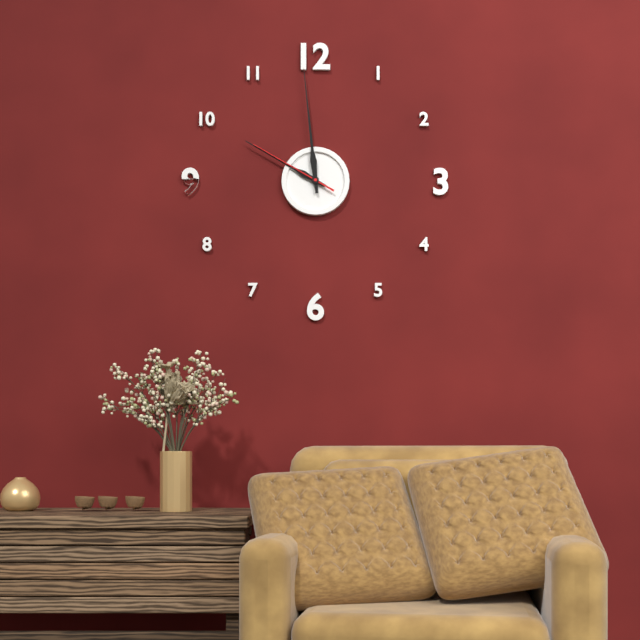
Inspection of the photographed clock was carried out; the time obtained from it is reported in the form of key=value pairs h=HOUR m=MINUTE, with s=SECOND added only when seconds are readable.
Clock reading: h=9 m=59 s=50
